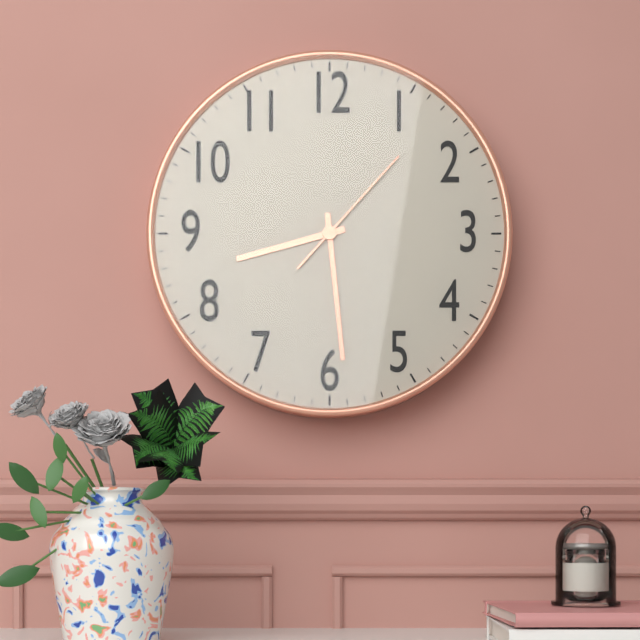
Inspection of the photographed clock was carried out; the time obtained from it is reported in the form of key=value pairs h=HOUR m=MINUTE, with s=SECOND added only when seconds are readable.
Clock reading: h=8 m=29 s=7
